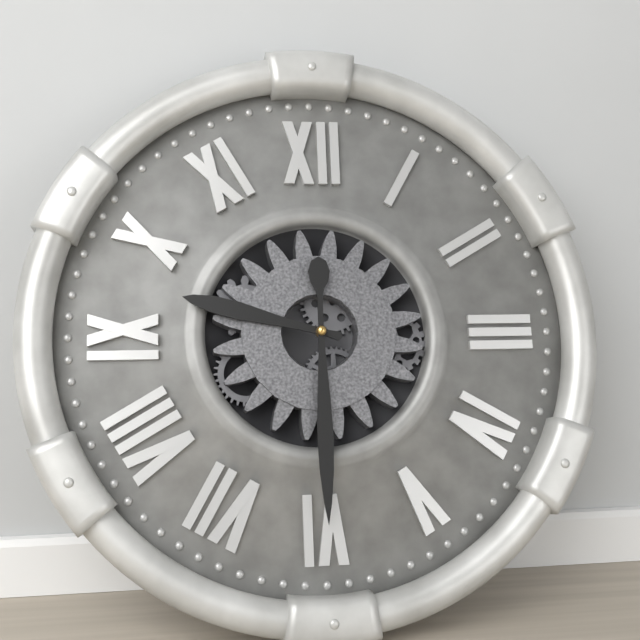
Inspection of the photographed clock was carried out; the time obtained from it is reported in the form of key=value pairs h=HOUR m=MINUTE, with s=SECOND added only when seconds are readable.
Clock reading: h=9 m=30
